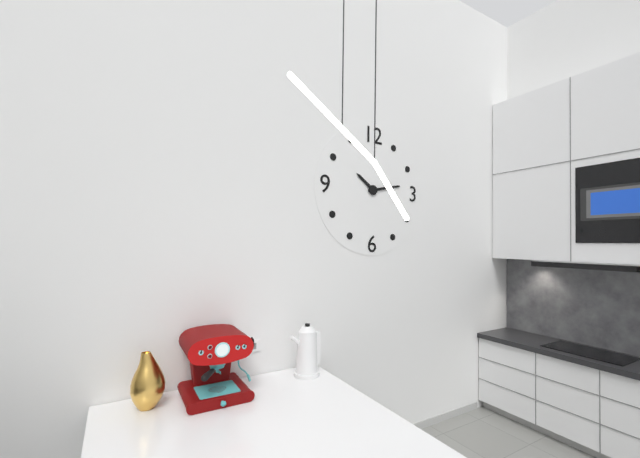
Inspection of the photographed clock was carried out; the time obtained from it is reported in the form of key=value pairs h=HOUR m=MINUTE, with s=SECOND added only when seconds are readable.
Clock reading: h=10 m=13
